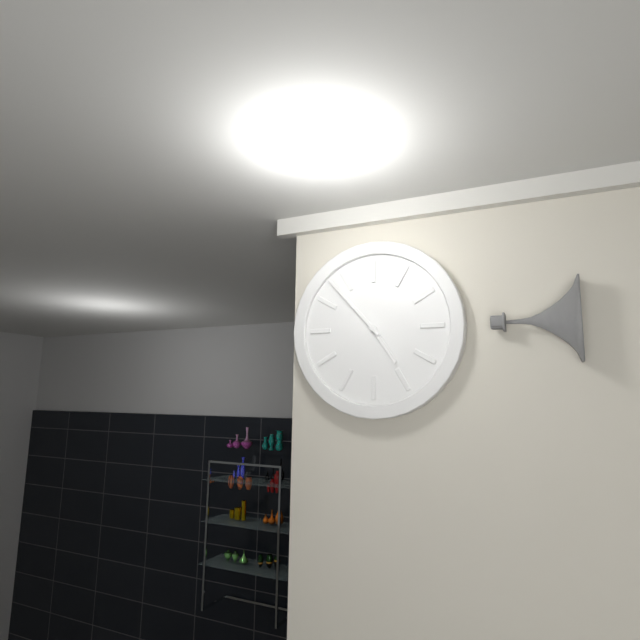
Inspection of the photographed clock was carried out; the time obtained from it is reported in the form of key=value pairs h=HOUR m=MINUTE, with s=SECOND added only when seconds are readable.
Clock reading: h=4 m=53
